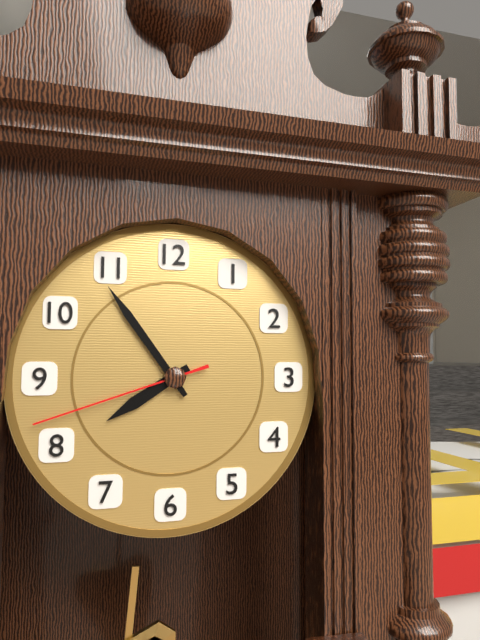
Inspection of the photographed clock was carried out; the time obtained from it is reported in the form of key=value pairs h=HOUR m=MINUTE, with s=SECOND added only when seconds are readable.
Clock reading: h=7 m=54 s=42
